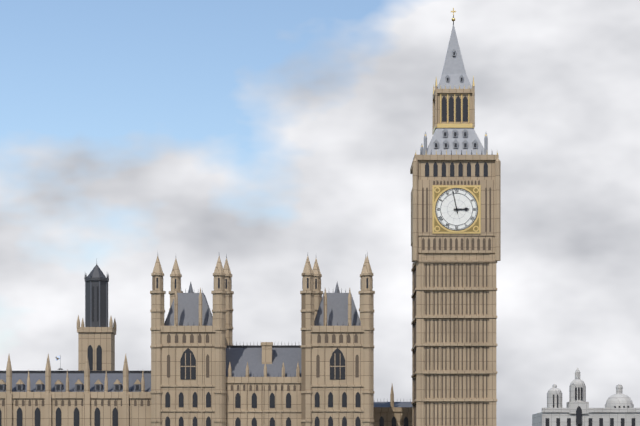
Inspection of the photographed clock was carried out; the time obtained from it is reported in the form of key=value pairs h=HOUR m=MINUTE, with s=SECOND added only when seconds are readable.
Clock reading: h=2 m=58
